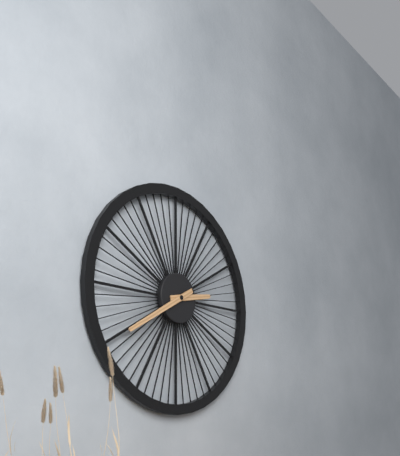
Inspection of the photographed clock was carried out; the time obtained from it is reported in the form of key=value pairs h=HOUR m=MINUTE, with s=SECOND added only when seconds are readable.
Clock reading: h=2 m=40
